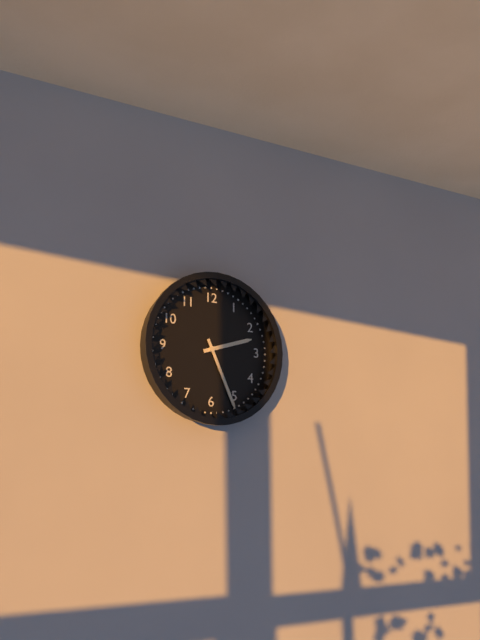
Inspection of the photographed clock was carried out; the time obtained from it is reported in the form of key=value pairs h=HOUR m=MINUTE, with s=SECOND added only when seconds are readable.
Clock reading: h=2 m=26
